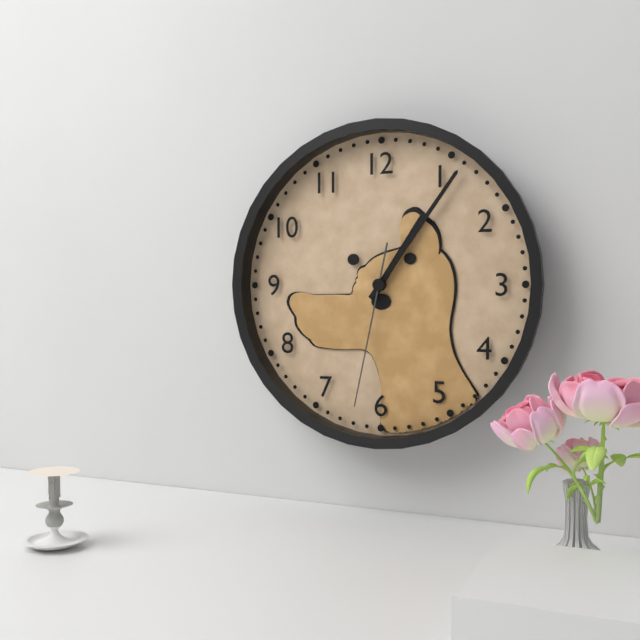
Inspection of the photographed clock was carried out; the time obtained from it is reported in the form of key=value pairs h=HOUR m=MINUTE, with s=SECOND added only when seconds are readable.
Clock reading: h=1 m=6 s=32
